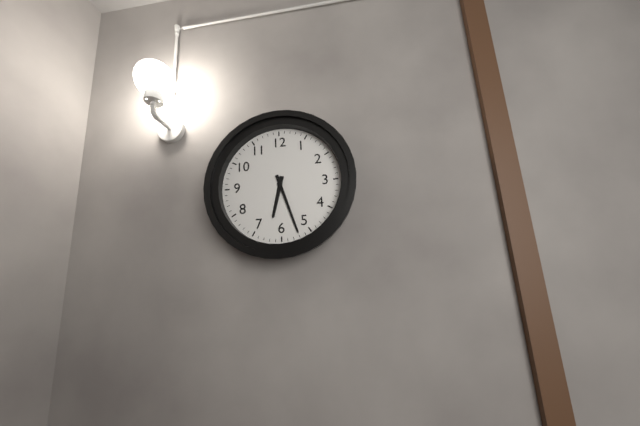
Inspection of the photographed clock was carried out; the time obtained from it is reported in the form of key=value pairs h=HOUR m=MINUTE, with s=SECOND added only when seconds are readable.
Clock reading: h=6 m=27
